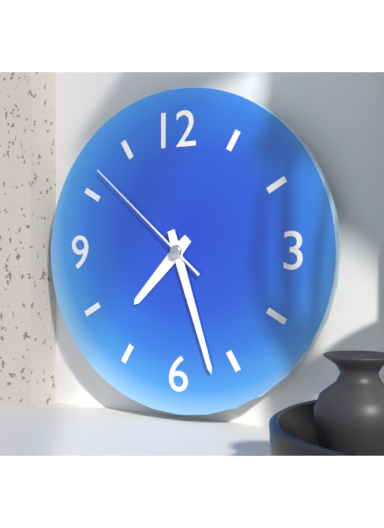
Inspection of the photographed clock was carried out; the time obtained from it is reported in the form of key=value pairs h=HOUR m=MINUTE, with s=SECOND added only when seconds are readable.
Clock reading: h=7 m=27 s=52
